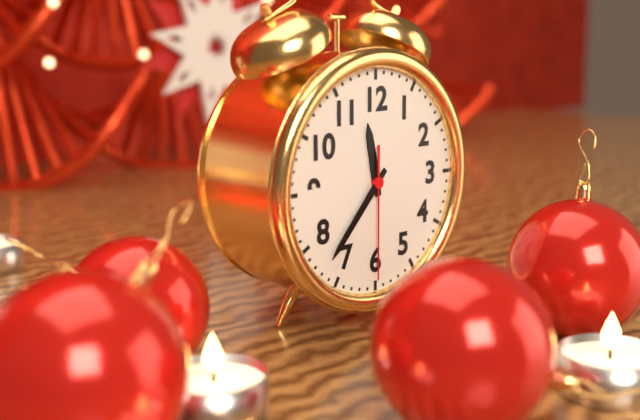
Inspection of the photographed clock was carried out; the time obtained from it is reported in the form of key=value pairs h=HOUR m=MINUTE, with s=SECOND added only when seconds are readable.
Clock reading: h=11 m=37 s=30
